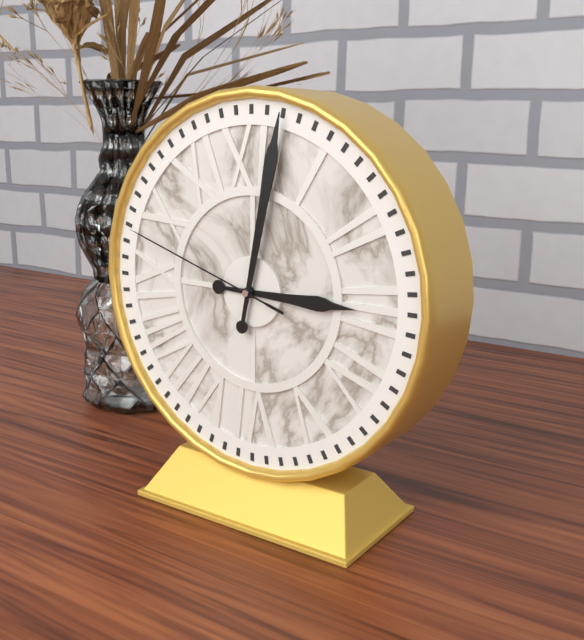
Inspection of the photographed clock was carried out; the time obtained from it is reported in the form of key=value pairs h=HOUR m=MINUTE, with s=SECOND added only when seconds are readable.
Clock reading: h=3 m=2 s=48
